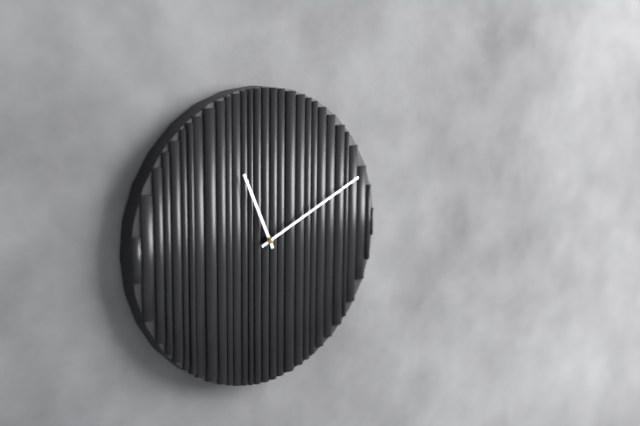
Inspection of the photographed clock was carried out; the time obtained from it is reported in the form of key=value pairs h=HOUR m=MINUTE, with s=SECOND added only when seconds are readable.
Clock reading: h=11 m=11
